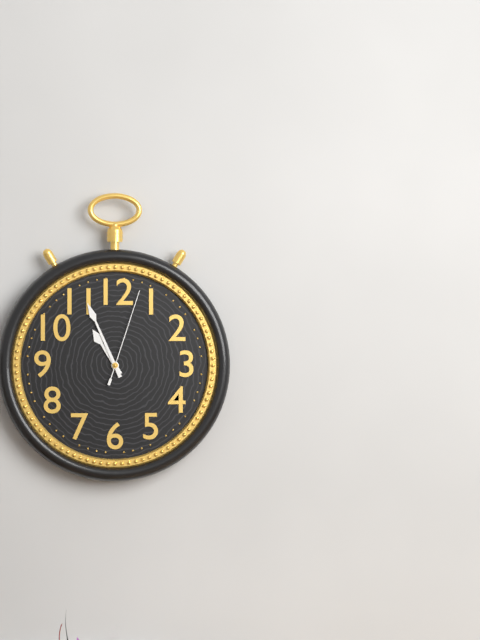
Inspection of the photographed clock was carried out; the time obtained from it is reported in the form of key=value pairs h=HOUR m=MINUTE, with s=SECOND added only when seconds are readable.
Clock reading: h=10 m=56 s=3
